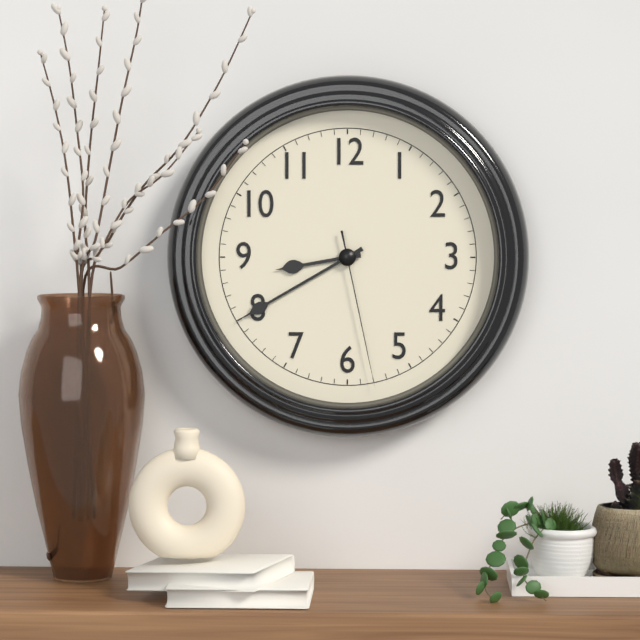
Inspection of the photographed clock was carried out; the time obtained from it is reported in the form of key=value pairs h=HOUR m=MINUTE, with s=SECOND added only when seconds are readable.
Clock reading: h=8 m=40 s=28
